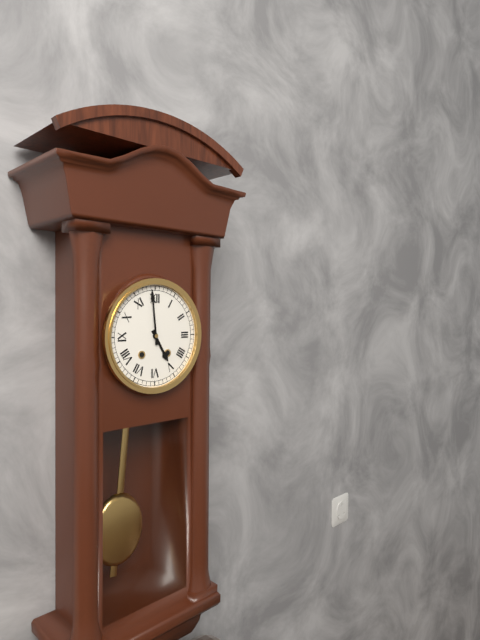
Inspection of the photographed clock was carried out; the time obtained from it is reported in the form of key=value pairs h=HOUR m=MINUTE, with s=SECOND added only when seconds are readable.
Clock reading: h=4 m=59
